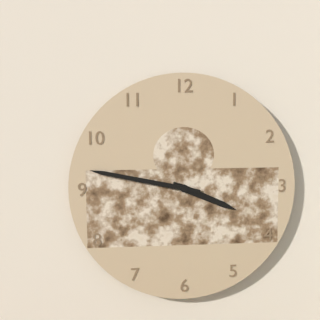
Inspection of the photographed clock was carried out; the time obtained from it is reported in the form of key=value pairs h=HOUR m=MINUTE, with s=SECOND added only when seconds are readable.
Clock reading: h=3 m=47
